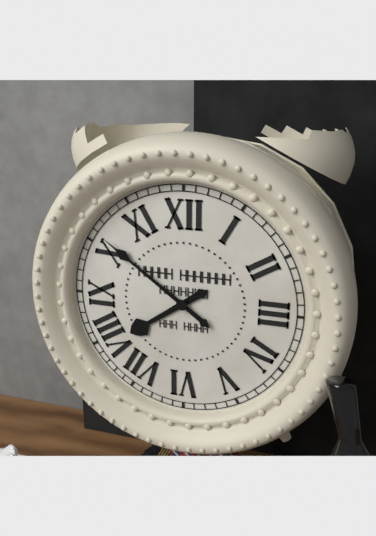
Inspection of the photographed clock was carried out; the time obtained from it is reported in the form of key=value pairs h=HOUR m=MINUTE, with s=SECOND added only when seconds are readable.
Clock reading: h=7 m=51
